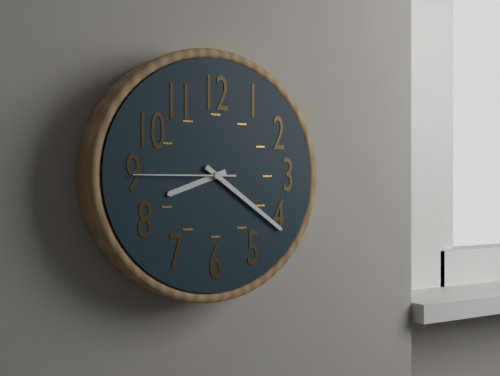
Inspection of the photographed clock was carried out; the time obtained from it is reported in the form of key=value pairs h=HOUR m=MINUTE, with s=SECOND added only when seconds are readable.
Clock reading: h=8 m=21 s=45
